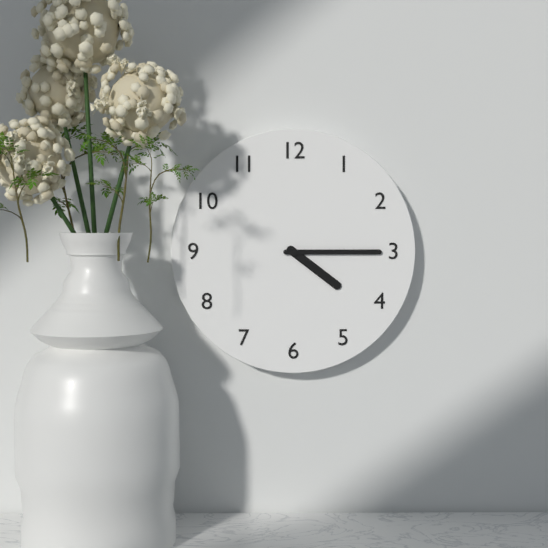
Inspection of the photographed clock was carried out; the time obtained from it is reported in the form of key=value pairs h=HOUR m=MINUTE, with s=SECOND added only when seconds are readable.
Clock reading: h=4 m=15
